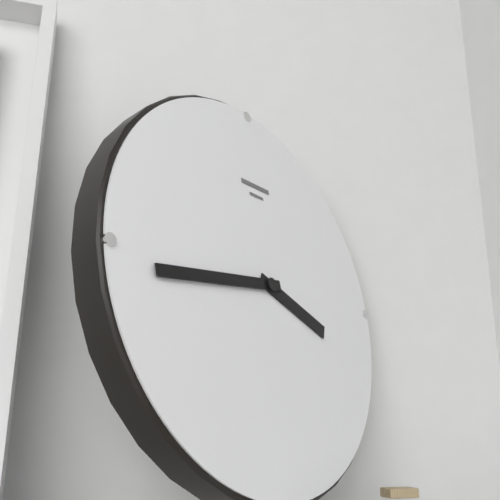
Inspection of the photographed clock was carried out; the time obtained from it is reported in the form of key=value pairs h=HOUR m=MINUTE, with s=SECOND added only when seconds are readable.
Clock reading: h=3 m=44
